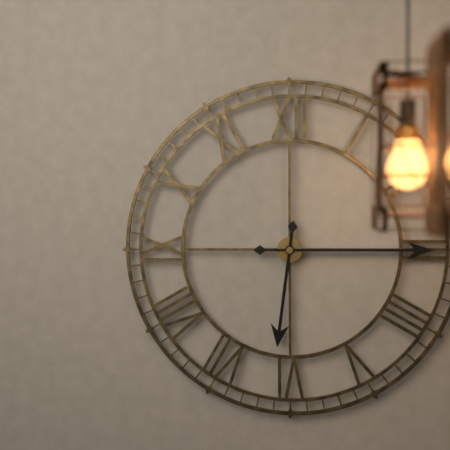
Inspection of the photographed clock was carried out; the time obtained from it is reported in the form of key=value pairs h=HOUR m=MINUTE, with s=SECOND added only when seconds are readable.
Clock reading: h=6 m=15
